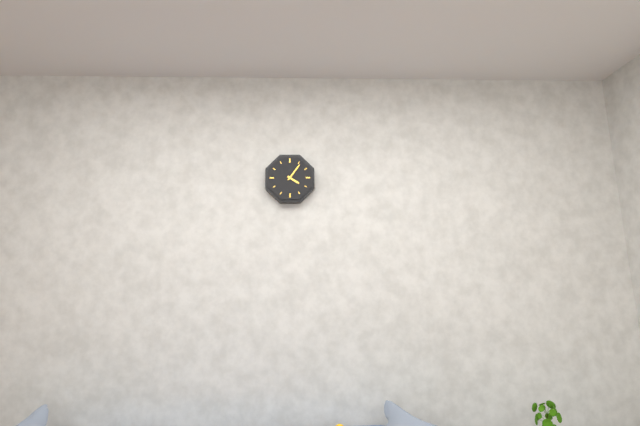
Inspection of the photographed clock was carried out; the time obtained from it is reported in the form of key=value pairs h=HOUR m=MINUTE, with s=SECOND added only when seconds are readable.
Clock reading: h=4 m=6
